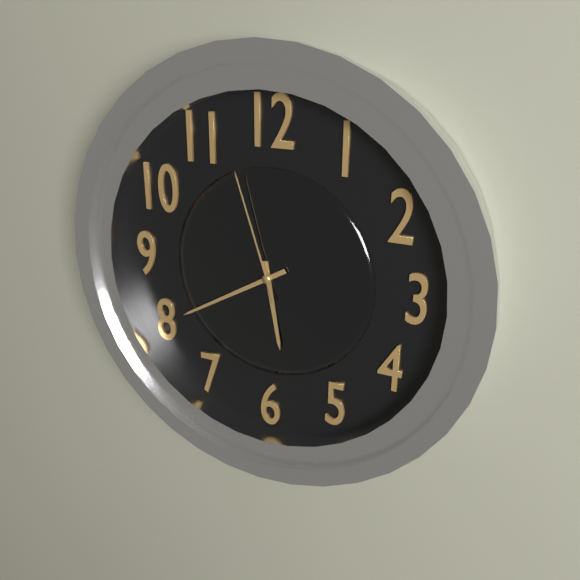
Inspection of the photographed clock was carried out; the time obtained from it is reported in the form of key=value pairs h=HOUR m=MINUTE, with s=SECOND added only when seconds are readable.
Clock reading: h=5 m=40 s=57
